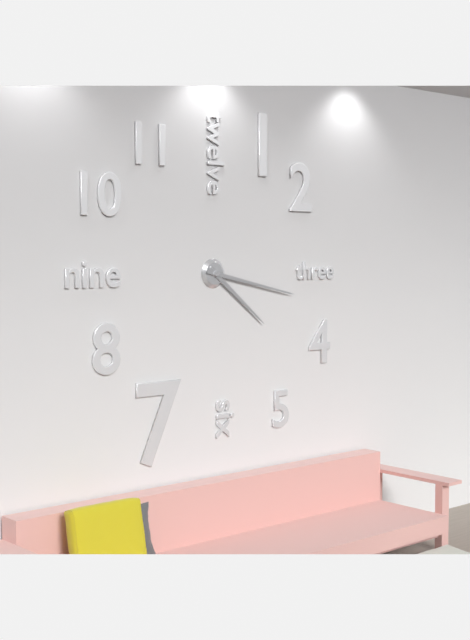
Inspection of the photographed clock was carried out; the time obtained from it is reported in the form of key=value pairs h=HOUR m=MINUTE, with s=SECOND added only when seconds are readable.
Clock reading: h=4 m=17
